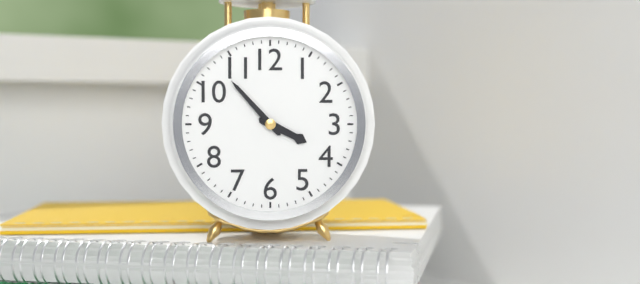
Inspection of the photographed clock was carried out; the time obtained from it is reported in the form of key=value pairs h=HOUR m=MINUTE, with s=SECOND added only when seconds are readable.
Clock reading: h=3 m=53
